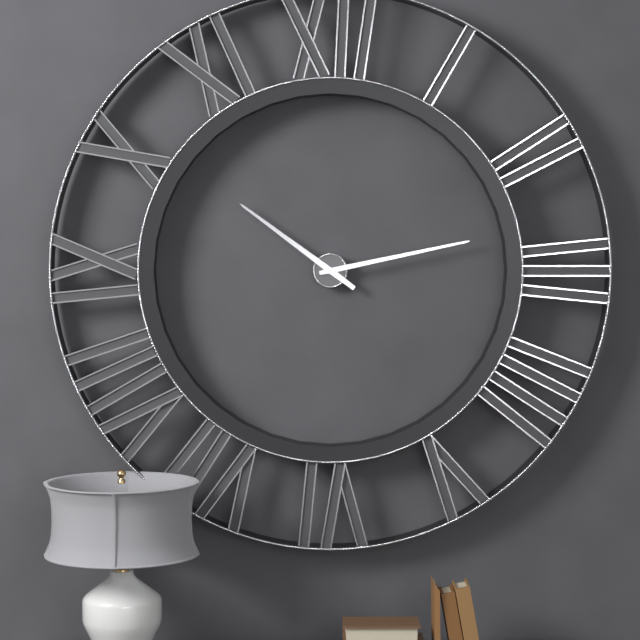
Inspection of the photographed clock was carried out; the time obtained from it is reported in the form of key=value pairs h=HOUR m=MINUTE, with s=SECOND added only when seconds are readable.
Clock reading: h=10 m=13
